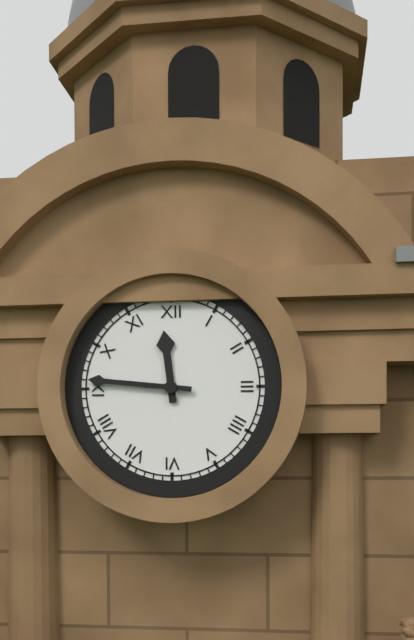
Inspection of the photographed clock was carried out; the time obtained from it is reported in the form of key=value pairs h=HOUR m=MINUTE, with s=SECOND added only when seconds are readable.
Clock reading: h=11 m=46
